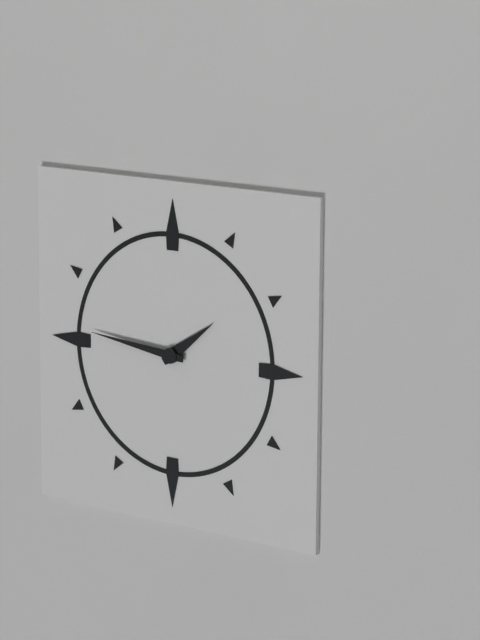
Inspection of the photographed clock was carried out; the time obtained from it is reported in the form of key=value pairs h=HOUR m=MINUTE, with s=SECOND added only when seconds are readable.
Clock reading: h=1 m=46
